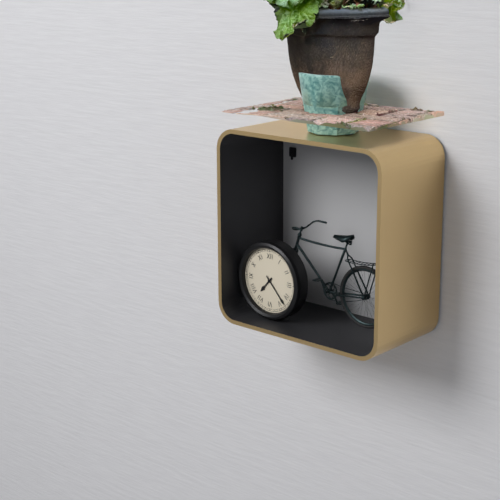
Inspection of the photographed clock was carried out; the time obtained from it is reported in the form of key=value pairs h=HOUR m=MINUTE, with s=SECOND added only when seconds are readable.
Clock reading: h=7 m=23
